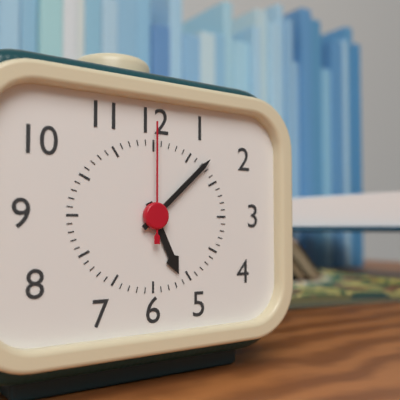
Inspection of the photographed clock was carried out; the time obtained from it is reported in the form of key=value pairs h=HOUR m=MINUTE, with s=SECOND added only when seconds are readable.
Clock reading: h=5 m=8 s=0
